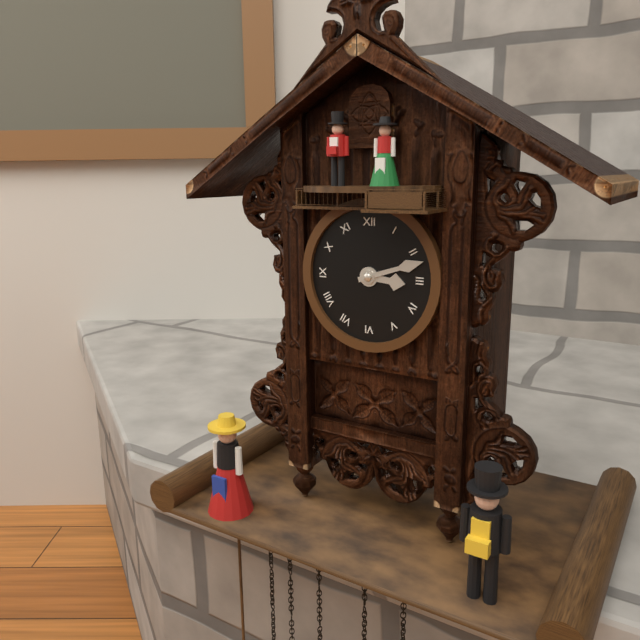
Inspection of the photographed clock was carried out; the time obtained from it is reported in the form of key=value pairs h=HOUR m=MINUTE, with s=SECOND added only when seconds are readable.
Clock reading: h=3 m=12
